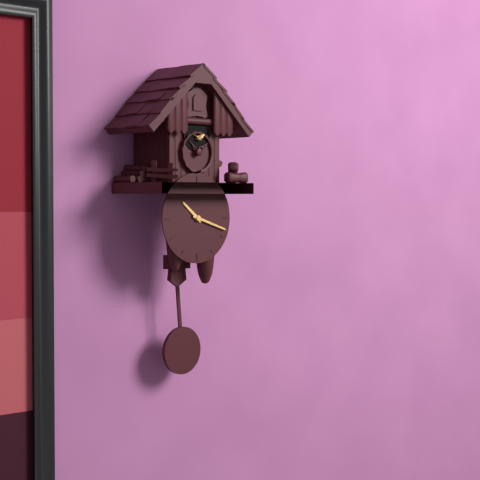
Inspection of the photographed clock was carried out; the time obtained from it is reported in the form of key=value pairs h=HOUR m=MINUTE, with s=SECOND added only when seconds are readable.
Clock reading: h=10 m=18
